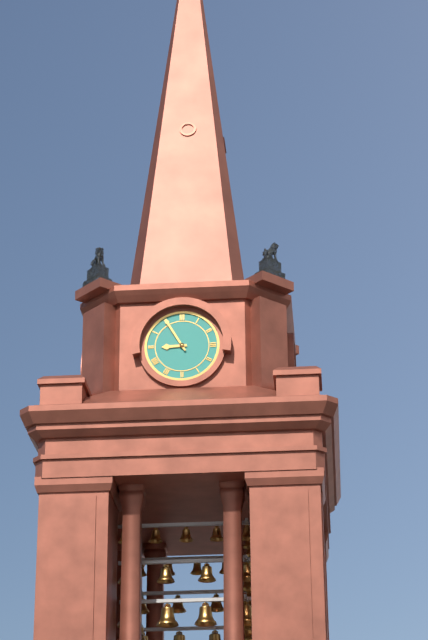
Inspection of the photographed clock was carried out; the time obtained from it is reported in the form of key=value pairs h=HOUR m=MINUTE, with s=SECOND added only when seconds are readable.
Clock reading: h=8 m=55
